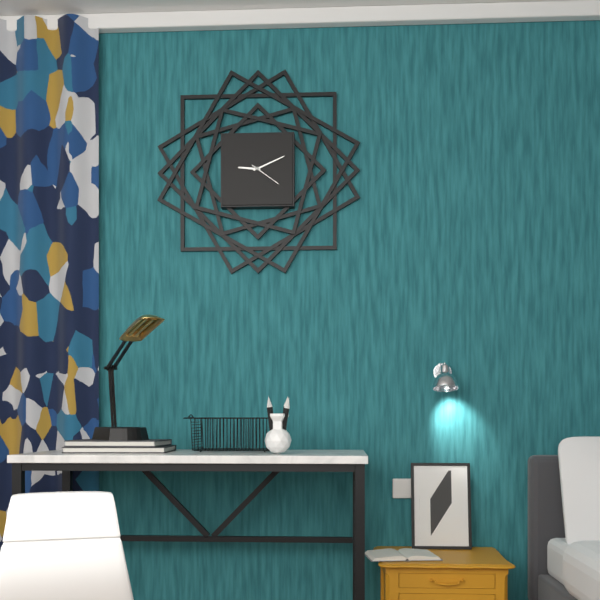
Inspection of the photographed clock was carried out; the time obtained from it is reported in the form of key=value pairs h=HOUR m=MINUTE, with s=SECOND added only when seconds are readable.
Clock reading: h=9 m=11
